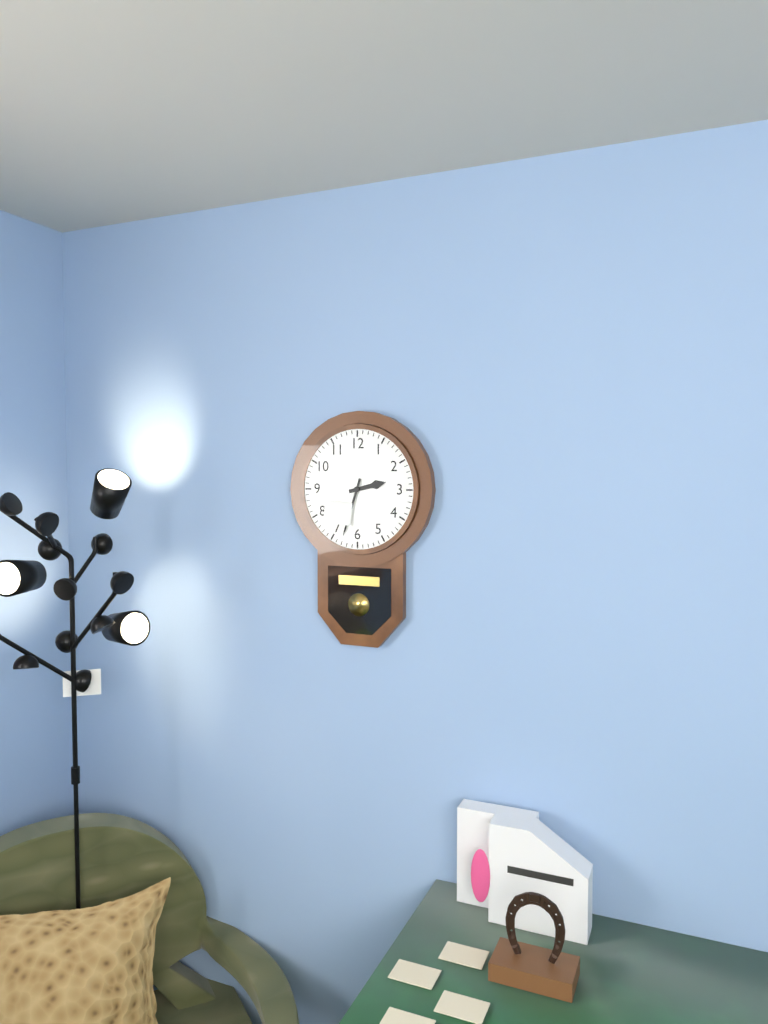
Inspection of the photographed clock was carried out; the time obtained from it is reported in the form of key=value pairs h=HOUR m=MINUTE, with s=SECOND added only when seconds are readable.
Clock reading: h=2 m=33
